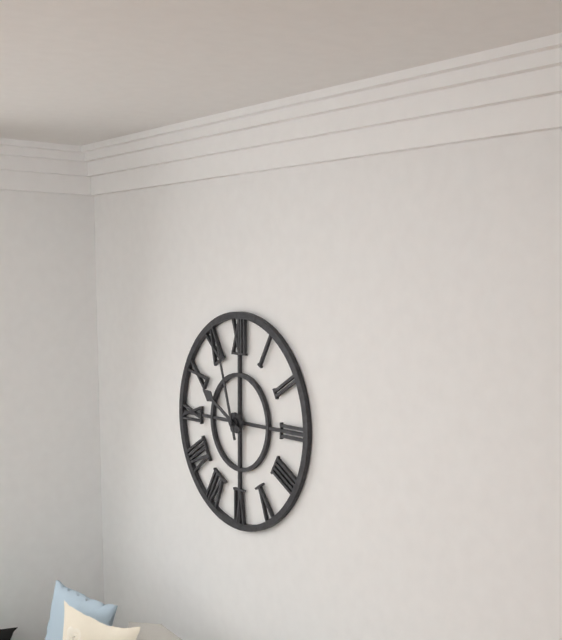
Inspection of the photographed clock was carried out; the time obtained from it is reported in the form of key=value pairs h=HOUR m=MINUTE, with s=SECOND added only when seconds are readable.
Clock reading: h=9 m=57
